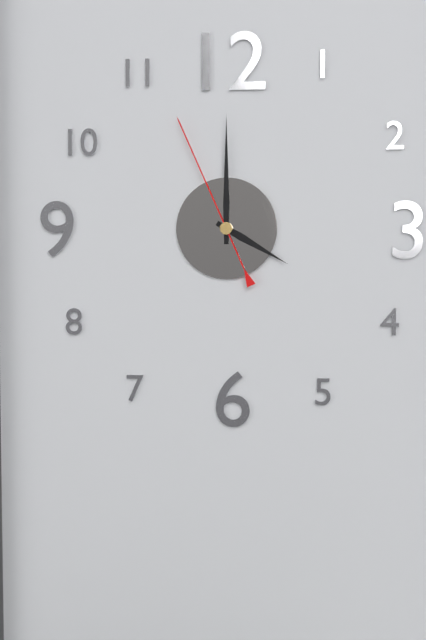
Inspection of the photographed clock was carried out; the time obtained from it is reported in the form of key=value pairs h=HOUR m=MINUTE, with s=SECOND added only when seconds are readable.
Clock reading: h=4 m=0 s=56
